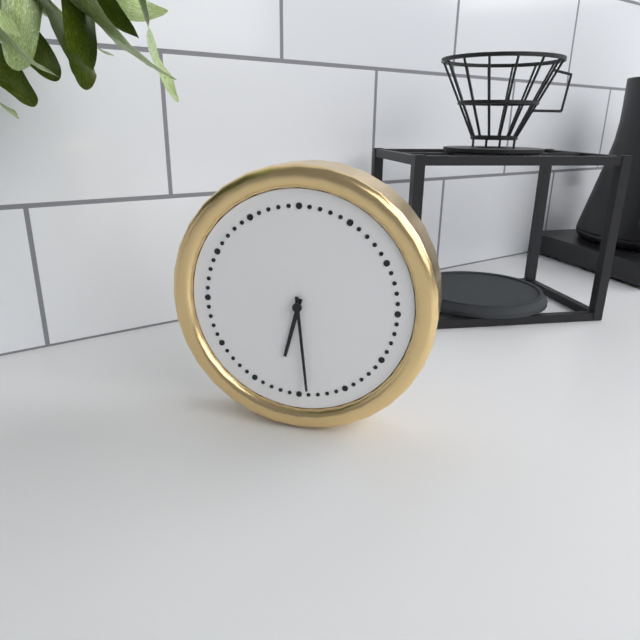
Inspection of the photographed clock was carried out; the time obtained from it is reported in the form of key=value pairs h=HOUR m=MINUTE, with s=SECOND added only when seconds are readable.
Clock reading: h=6 m=29
